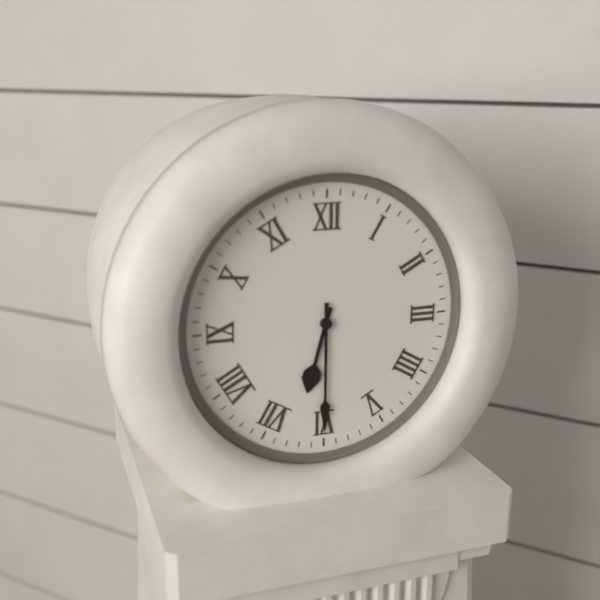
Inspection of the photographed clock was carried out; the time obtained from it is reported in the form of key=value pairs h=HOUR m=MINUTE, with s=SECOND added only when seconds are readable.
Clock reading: h=6 m=30
